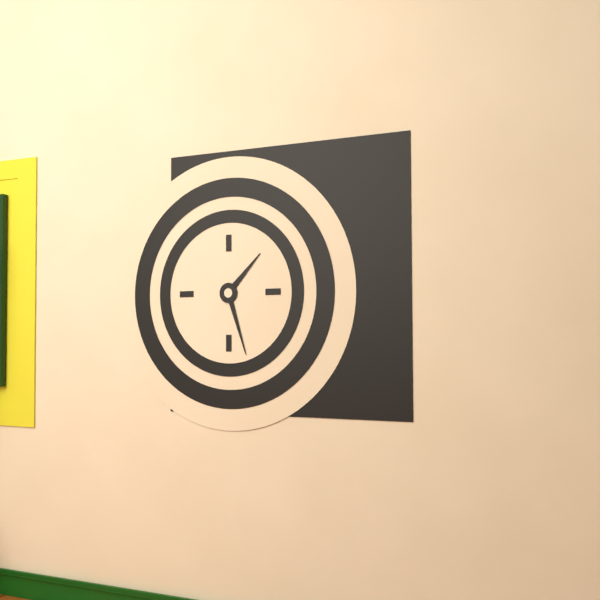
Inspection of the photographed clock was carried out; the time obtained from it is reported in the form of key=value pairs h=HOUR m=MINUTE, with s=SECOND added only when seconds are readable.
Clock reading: h=1 m=27
